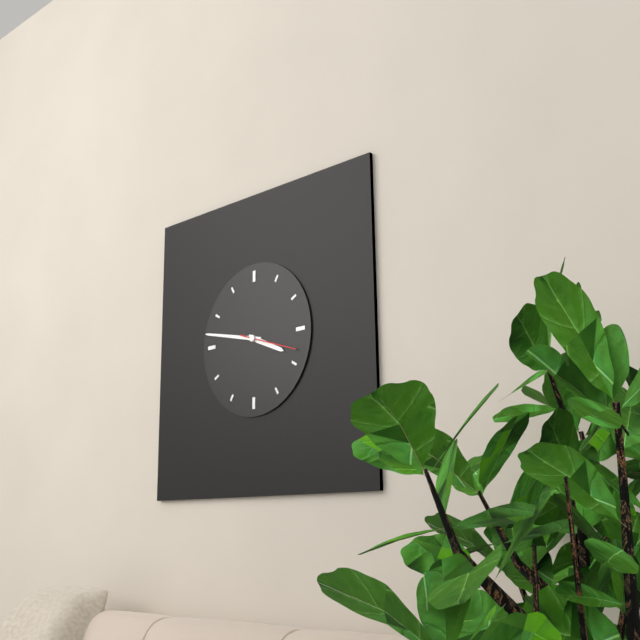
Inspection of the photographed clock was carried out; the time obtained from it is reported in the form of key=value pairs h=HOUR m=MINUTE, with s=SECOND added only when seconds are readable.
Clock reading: h=3 m=47 s=18
